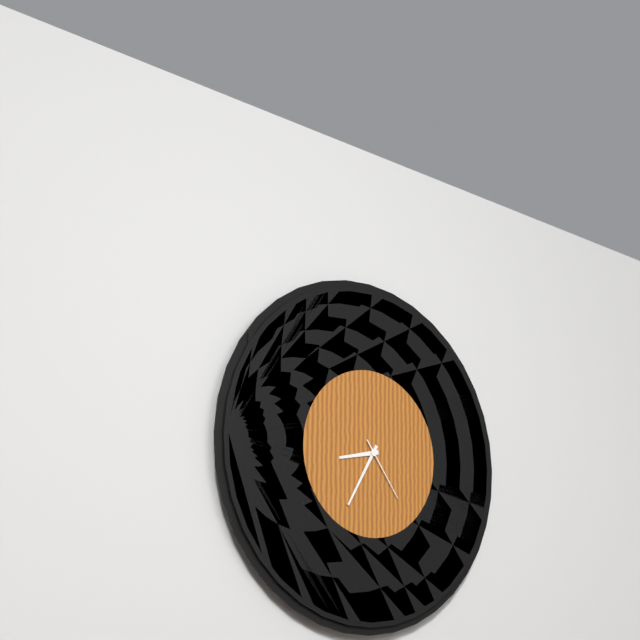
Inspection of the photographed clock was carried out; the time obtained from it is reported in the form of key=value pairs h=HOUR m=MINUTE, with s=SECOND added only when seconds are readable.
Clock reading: h=8 m=35 s=24
